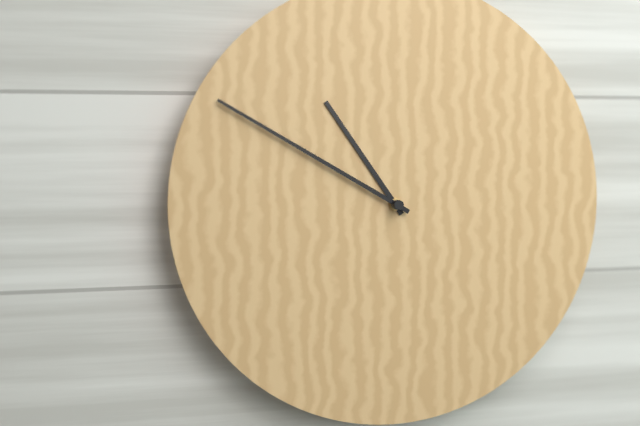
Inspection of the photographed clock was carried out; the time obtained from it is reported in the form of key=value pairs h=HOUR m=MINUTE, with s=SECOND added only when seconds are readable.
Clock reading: h=10 m=50
